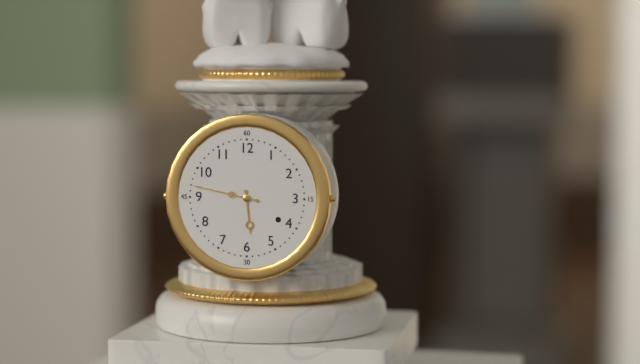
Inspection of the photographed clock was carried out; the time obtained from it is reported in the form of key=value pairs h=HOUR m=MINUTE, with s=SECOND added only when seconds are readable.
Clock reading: h=5 m=47
